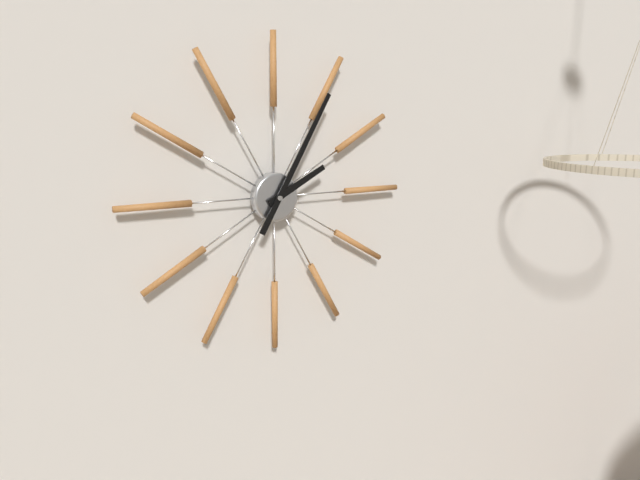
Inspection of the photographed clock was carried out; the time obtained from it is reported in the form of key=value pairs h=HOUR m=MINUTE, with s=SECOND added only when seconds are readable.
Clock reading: h=2 m=5
